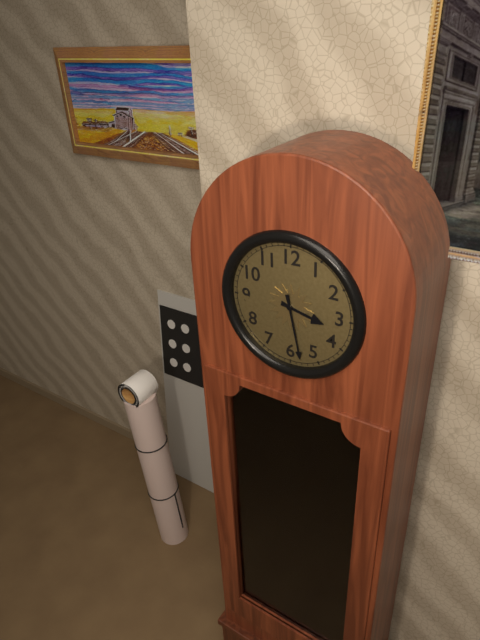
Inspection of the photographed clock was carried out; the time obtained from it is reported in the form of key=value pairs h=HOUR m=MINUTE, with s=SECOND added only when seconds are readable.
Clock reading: h=3 m=28
